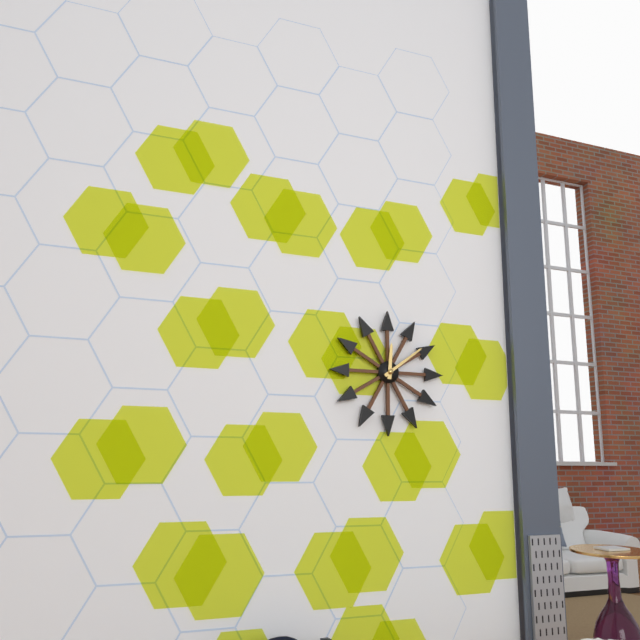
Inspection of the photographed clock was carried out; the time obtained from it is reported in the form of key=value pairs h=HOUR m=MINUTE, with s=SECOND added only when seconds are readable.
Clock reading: h=12 m=9
